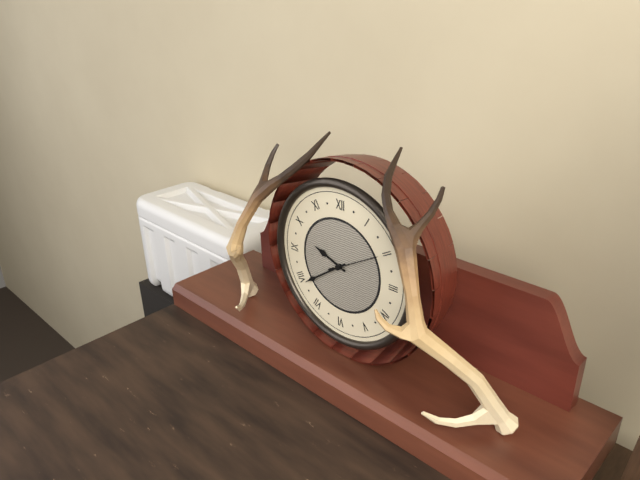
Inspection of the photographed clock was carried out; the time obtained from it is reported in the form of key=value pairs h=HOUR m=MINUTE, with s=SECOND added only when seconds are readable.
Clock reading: h=9 m=39
